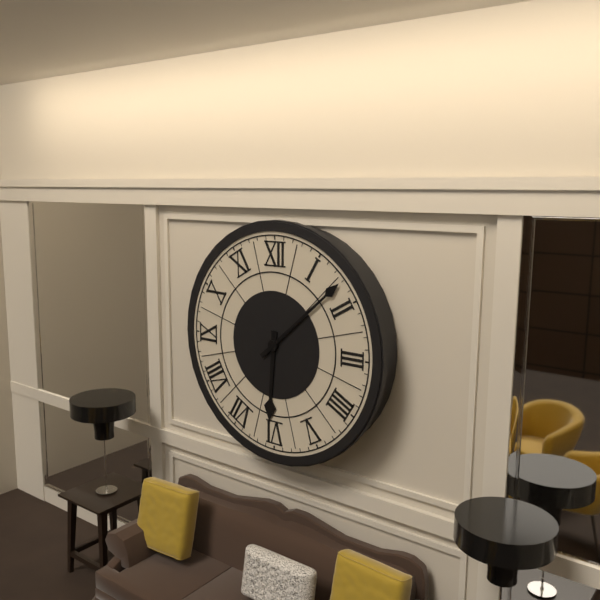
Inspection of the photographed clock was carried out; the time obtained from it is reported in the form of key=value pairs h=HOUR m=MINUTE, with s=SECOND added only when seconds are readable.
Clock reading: h=6 m=8
